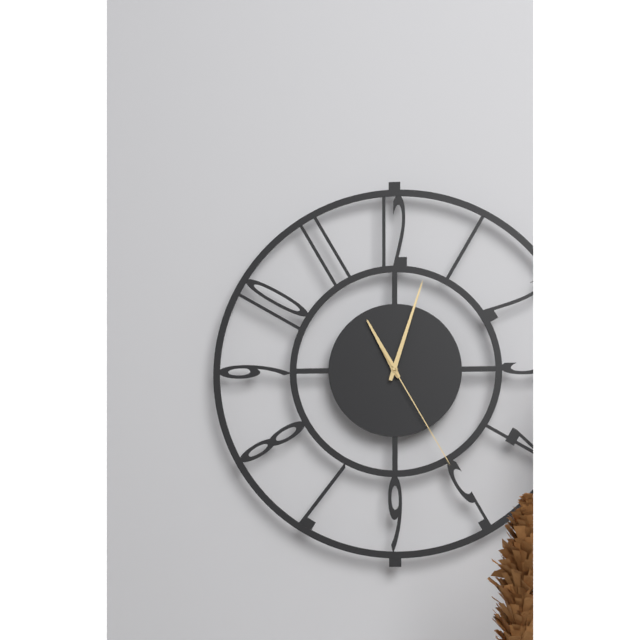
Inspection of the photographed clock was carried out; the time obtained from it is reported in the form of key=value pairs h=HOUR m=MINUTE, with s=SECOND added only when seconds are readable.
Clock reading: h=11 m=3 s=25
